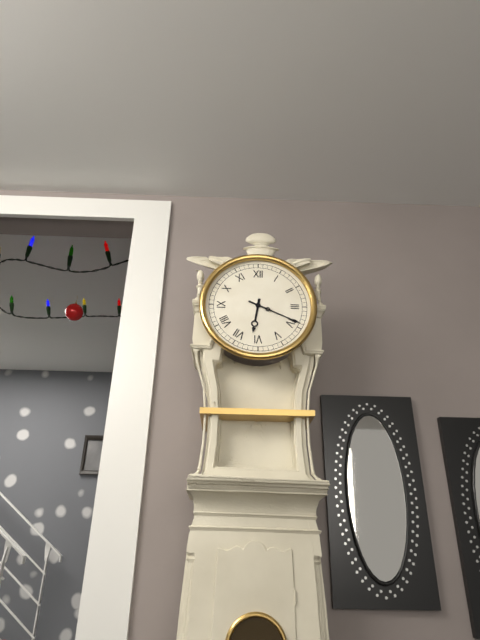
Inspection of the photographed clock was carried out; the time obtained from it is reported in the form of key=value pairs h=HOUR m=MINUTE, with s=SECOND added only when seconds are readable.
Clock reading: h=6 m=19
